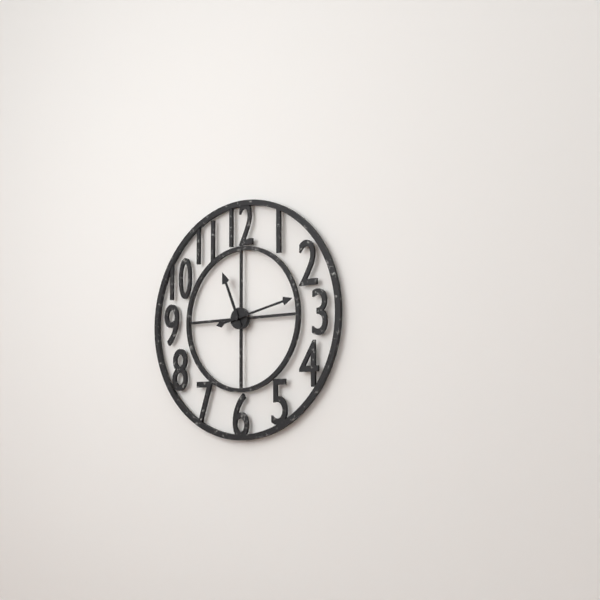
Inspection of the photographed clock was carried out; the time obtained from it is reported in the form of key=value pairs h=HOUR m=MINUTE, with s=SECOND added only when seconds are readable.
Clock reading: h=11 m=13
